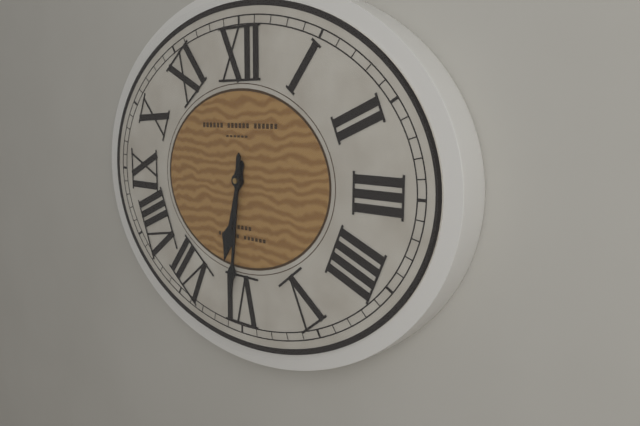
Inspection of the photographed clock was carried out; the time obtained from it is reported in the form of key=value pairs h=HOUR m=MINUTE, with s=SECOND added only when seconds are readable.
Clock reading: h=6 m=31
